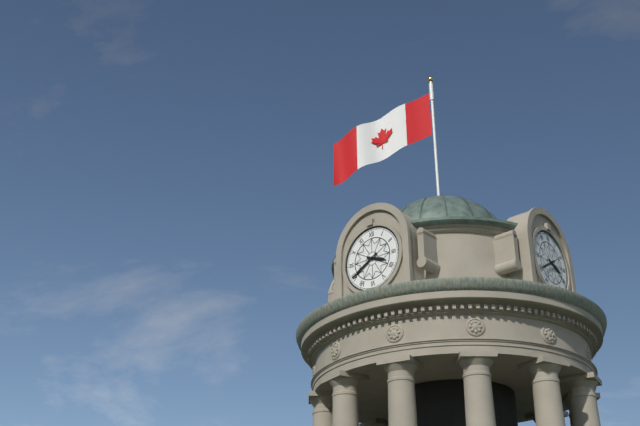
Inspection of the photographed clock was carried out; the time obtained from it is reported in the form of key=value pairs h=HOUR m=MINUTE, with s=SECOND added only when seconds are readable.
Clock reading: h=3 m=40
